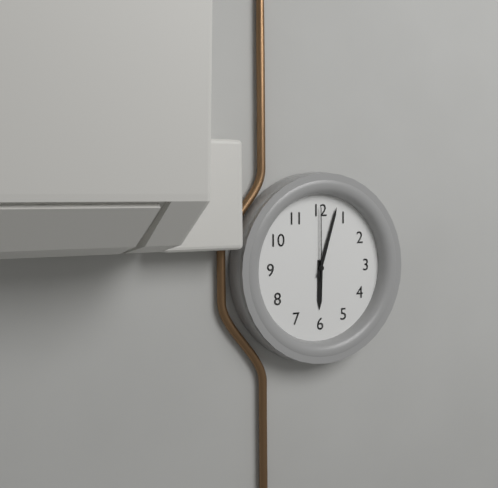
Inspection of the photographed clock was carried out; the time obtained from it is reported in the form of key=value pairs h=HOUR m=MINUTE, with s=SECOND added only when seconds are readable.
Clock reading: h=6 m=3 s=0
